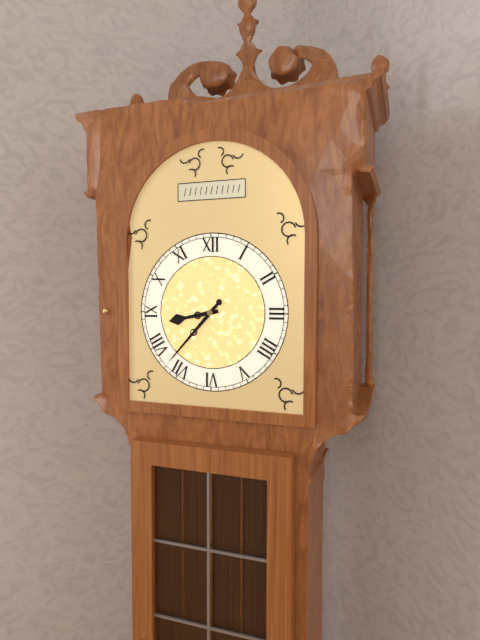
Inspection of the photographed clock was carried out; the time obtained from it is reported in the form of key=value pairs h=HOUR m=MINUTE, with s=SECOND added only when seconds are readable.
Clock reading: h=8 m=37
